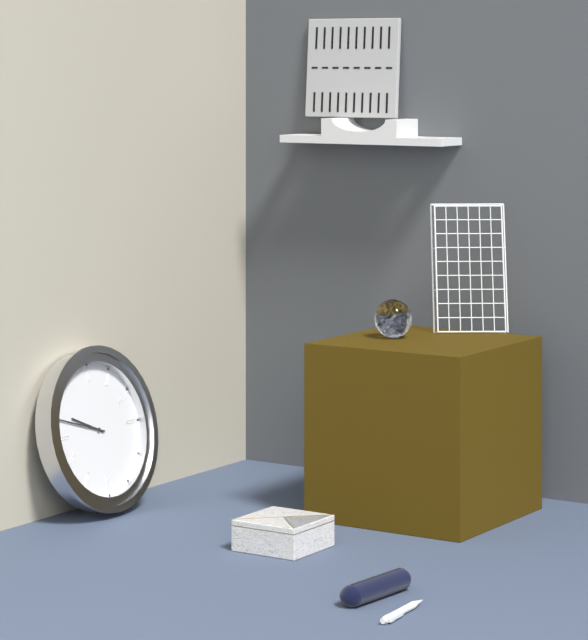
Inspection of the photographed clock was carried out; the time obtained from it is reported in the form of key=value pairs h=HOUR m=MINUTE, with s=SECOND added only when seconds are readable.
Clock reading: h=9 m=48
